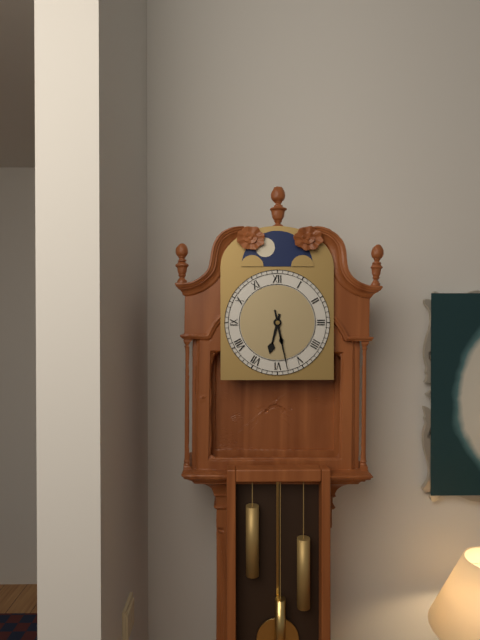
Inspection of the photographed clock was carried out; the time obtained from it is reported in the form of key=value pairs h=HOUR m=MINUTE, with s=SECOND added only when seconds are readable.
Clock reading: h=6 m=28
